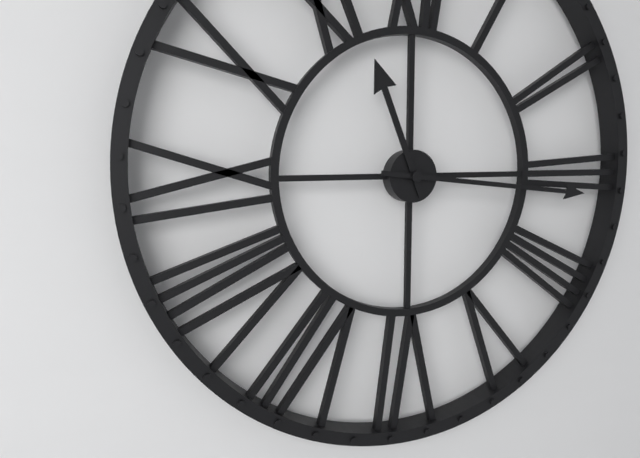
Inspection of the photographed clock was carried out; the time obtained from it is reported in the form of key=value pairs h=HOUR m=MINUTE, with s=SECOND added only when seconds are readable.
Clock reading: h=11 m=16
